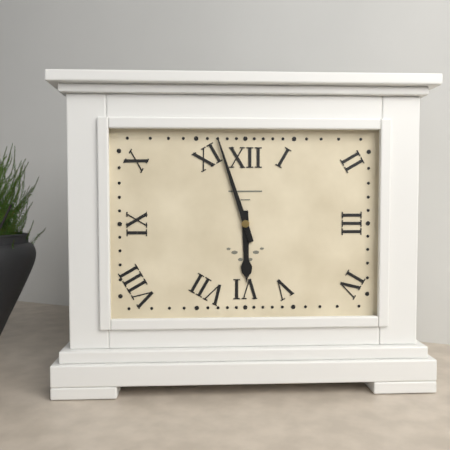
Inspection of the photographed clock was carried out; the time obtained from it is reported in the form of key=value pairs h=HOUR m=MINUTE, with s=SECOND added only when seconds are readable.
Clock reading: h=5 m=57
